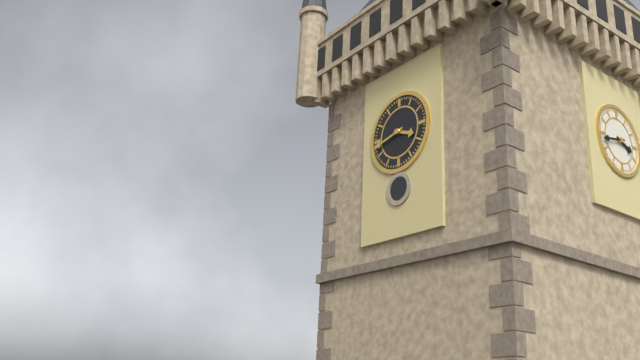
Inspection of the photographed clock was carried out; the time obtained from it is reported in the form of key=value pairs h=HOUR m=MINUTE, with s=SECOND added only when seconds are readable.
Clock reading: h=3 m=43
